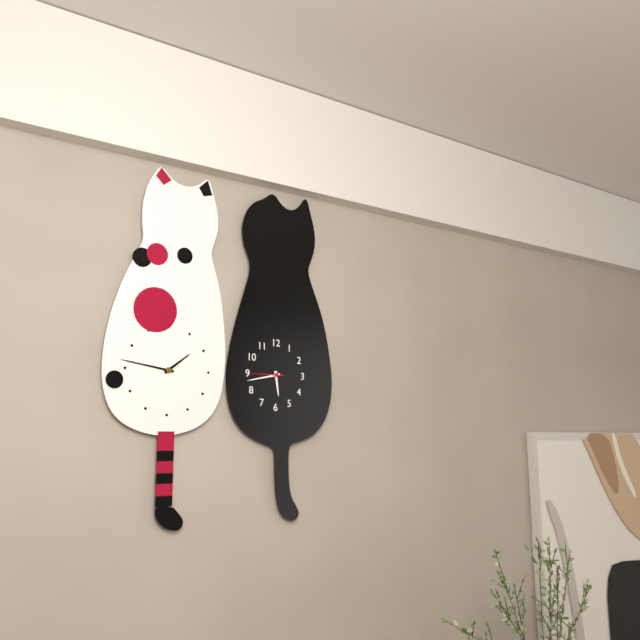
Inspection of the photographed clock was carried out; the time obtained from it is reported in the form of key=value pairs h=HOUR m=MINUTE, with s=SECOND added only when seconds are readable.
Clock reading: h=5 m=43
